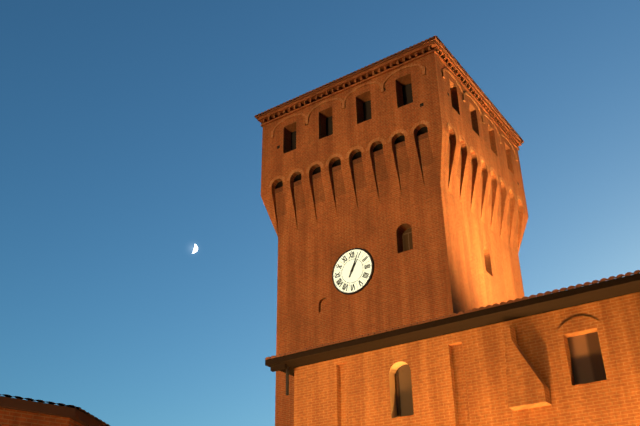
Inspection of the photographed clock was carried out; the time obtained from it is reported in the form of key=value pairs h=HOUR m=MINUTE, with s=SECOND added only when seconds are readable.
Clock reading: h=1 m=4
